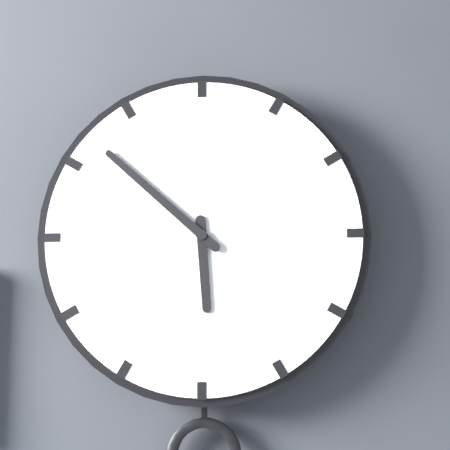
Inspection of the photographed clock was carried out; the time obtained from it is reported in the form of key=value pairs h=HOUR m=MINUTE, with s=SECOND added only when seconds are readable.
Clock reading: h=5 m=52
